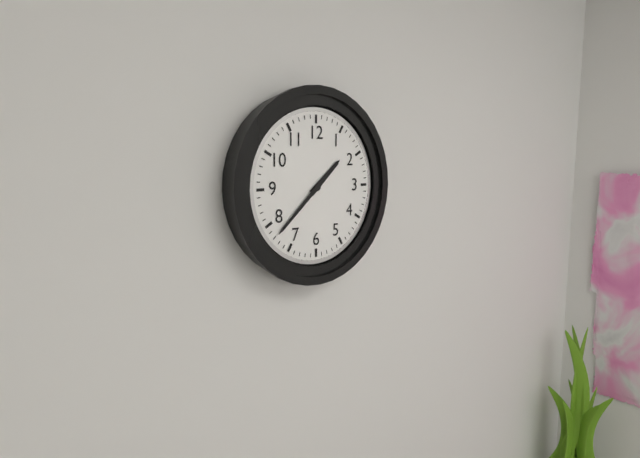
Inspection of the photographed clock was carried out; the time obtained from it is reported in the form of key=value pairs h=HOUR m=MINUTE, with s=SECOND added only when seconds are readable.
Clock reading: h=1 m=38
